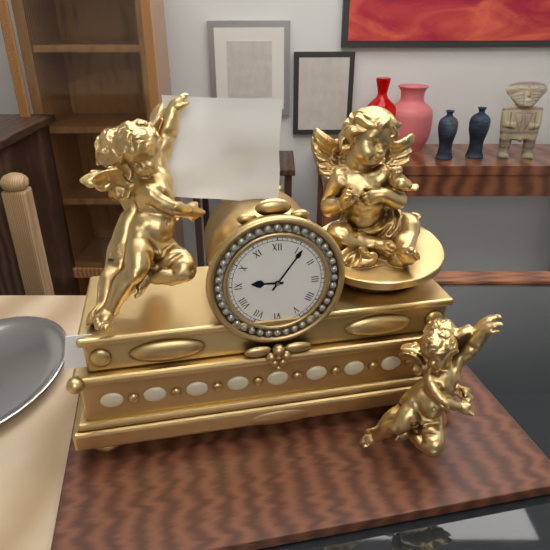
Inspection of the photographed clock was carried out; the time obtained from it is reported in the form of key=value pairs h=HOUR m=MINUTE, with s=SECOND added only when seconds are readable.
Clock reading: h=9 m=6
